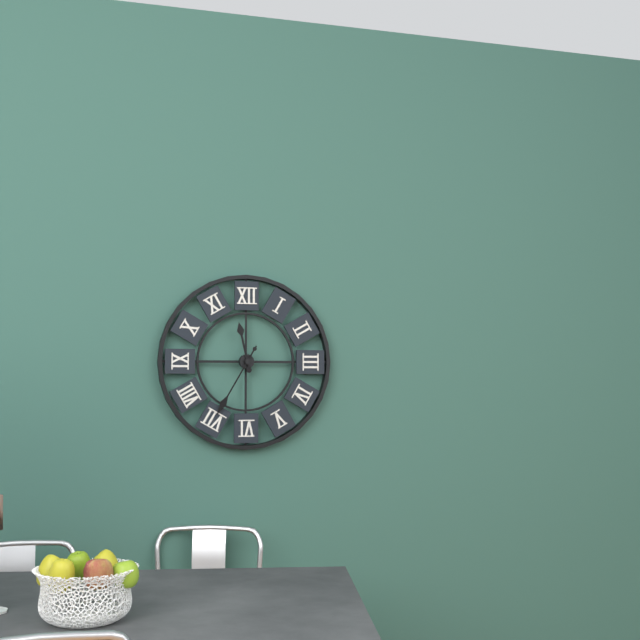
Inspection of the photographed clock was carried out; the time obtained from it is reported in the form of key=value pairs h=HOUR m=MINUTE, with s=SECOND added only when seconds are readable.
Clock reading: h=11 m=35
